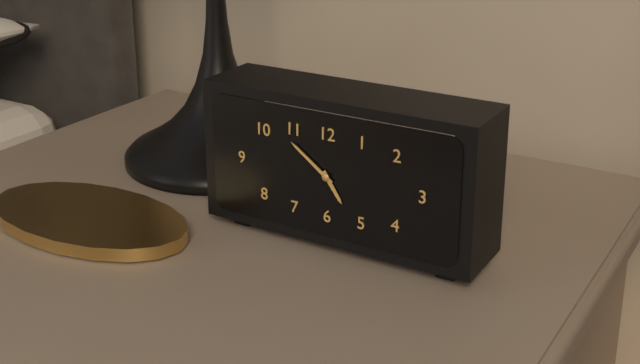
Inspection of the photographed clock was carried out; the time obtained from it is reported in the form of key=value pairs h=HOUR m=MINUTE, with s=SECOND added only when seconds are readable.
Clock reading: h=4 m=51
